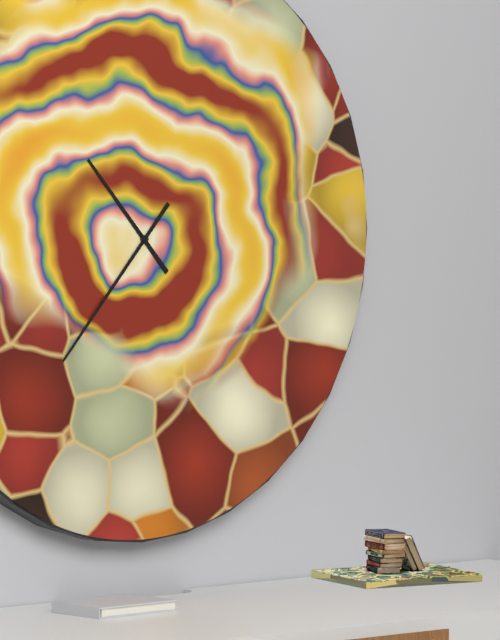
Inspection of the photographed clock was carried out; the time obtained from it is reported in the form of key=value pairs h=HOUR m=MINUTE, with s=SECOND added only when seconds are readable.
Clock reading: h=10 m=37
